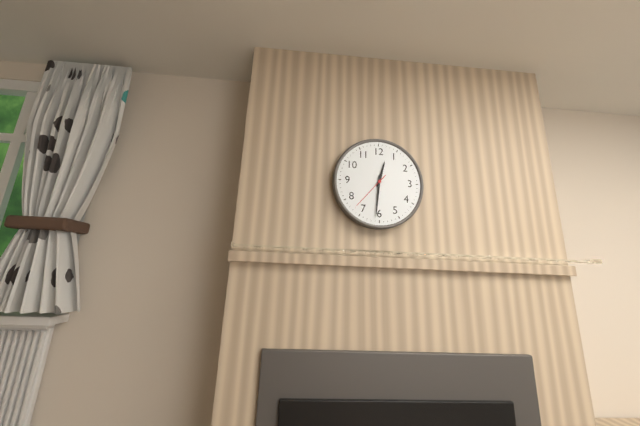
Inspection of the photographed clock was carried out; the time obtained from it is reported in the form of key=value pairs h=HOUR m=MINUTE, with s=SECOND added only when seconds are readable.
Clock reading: h=12 m=31
